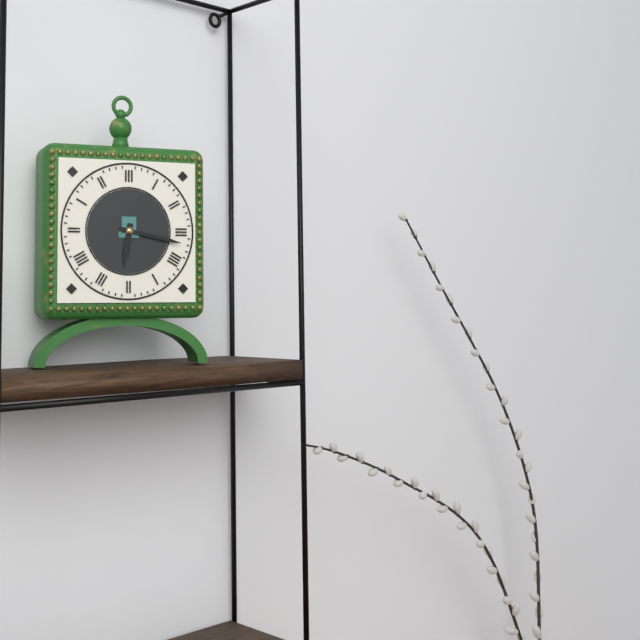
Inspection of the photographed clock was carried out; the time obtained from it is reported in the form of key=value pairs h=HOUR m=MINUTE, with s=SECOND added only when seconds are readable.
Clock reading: h=6 m=17
